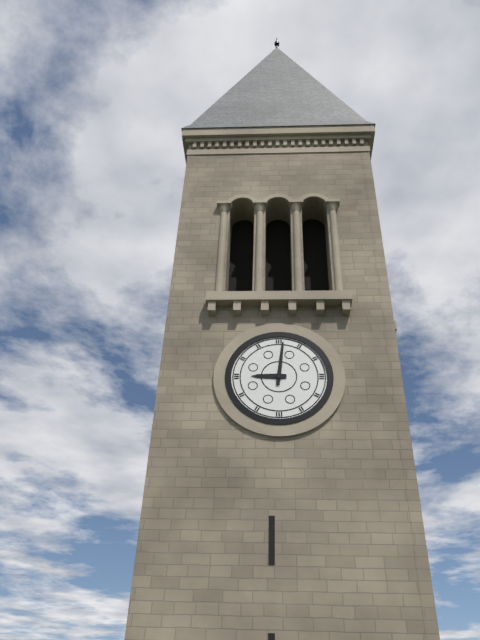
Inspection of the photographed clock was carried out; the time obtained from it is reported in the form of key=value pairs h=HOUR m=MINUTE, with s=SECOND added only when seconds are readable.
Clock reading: h=9 m=1
